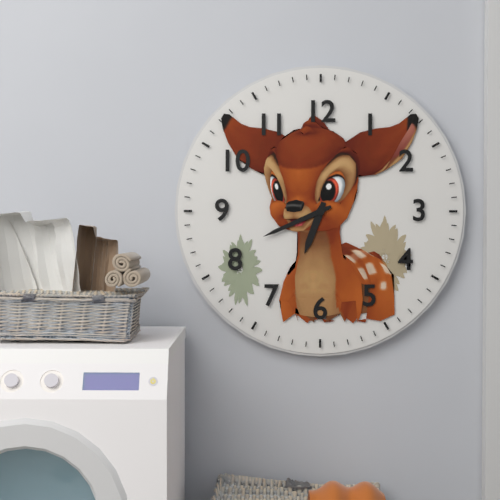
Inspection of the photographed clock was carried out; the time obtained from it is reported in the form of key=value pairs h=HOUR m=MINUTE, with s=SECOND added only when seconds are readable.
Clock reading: h=6 m=41
